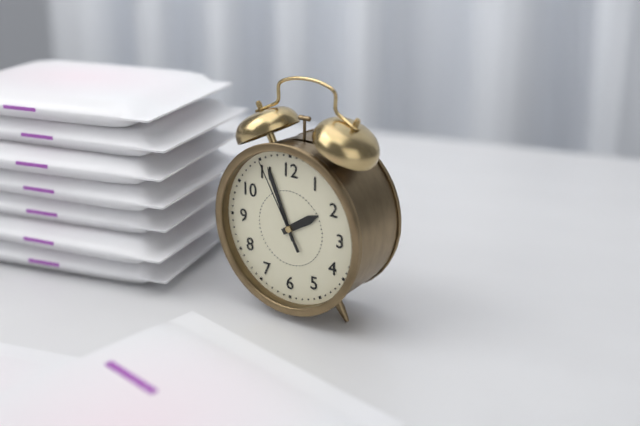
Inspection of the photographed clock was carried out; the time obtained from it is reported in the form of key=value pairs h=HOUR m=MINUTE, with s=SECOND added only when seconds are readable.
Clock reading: h=1 m=56 s=55
